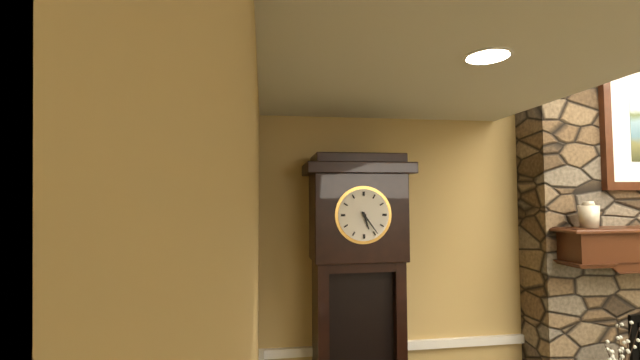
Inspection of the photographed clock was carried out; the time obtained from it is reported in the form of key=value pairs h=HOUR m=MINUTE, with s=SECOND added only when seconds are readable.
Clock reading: h=5 m=24
